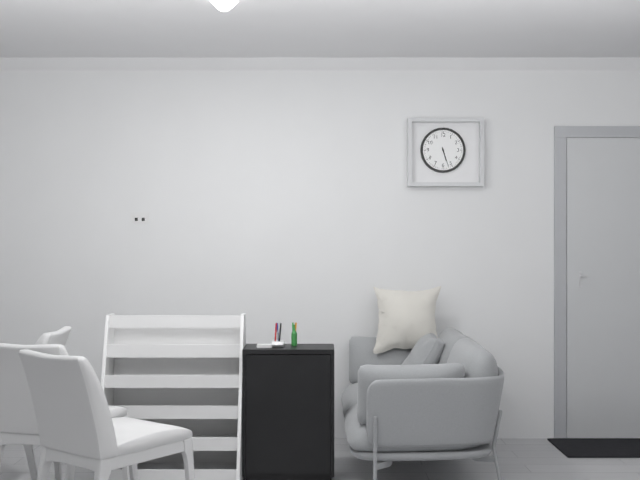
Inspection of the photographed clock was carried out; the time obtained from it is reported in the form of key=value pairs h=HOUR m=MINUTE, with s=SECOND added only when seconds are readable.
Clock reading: h=5 m=27
